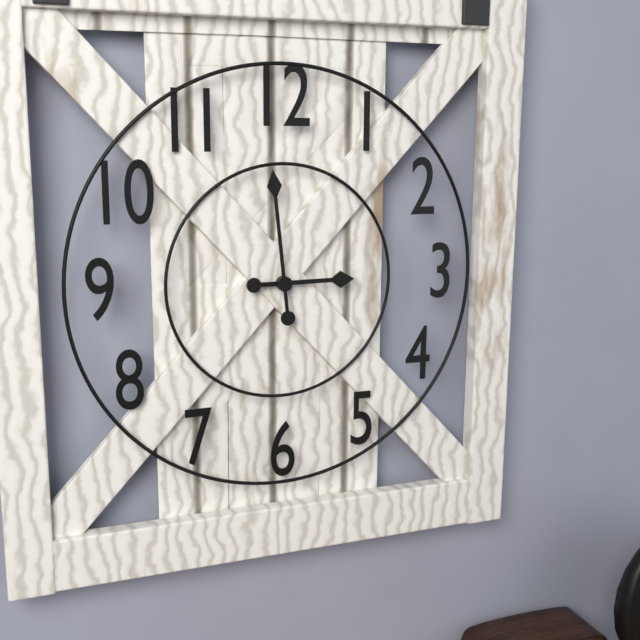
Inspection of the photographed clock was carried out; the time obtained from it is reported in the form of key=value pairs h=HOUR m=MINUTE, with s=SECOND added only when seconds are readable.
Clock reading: h=2 m=59
